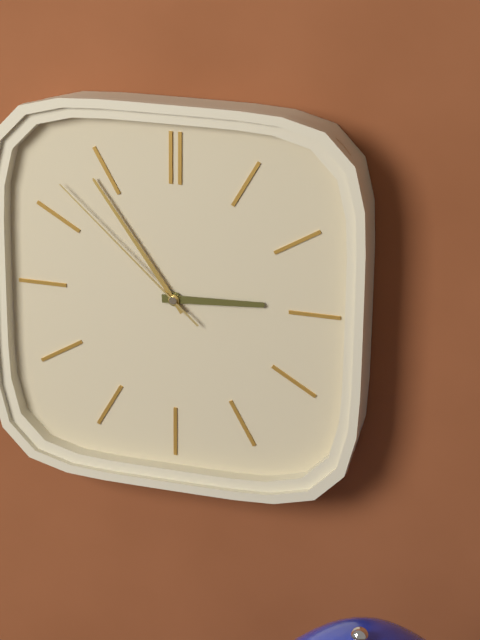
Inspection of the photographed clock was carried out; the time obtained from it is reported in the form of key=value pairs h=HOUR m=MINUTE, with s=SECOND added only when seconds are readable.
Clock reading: h=2 m=54 s=52
